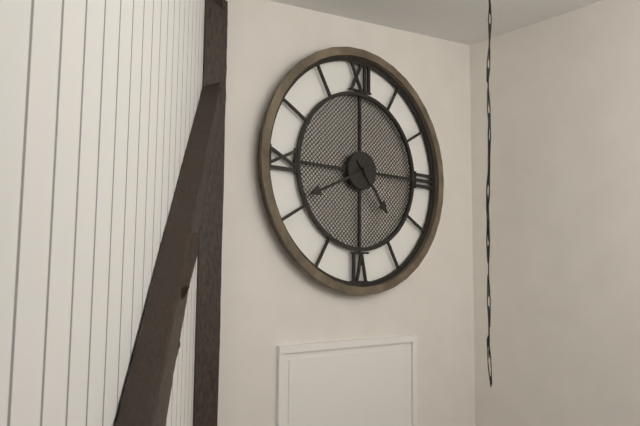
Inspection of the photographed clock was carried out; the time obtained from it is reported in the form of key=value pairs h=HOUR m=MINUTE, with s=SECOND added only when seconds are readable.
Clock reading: h=4 m=41
